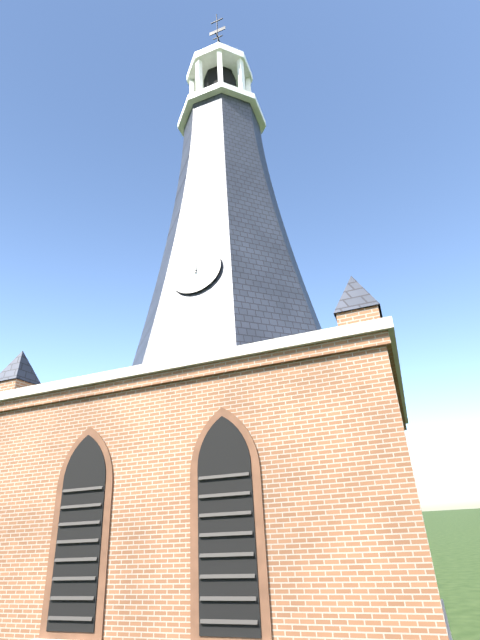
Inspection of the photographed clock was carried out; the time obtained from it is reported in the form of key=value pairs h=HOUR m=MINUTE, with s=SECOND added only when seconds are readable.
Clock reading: h=11 m=58
